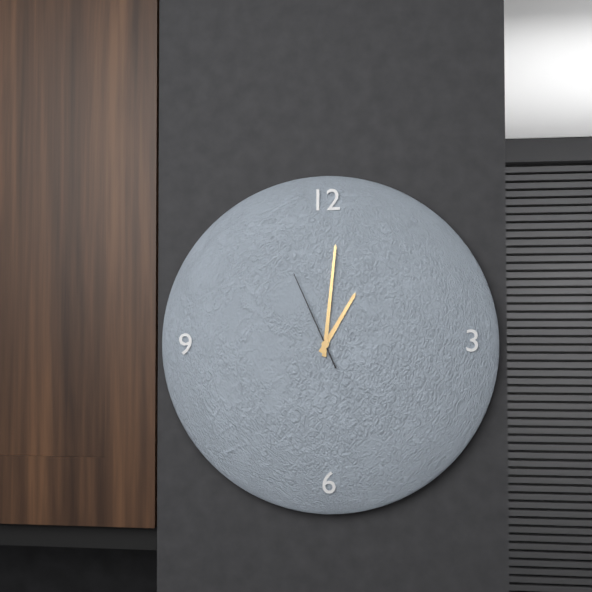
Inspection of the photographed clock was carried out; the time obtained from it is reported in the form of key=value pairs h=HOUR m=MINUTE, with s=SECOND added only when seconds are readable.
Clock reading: h=1 m=1 s=56
